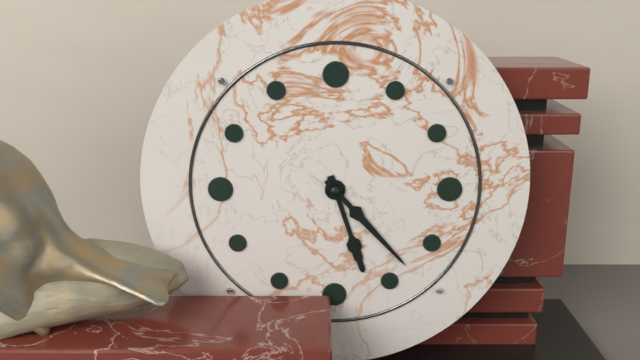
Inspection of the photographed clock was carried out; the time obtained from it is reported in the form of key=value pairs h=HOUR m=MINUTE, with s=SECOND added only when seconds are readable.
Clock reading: h=5 m=23
